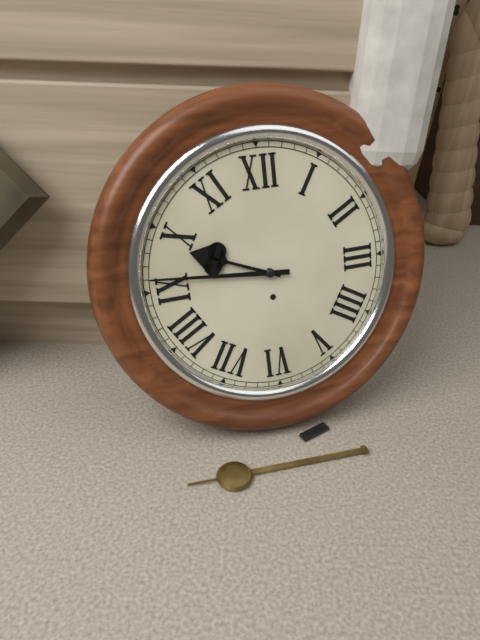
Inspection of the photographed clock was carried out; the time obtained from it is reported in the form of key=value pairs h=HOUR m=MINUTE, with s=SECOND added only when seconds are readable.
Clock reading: h=9 m=46
